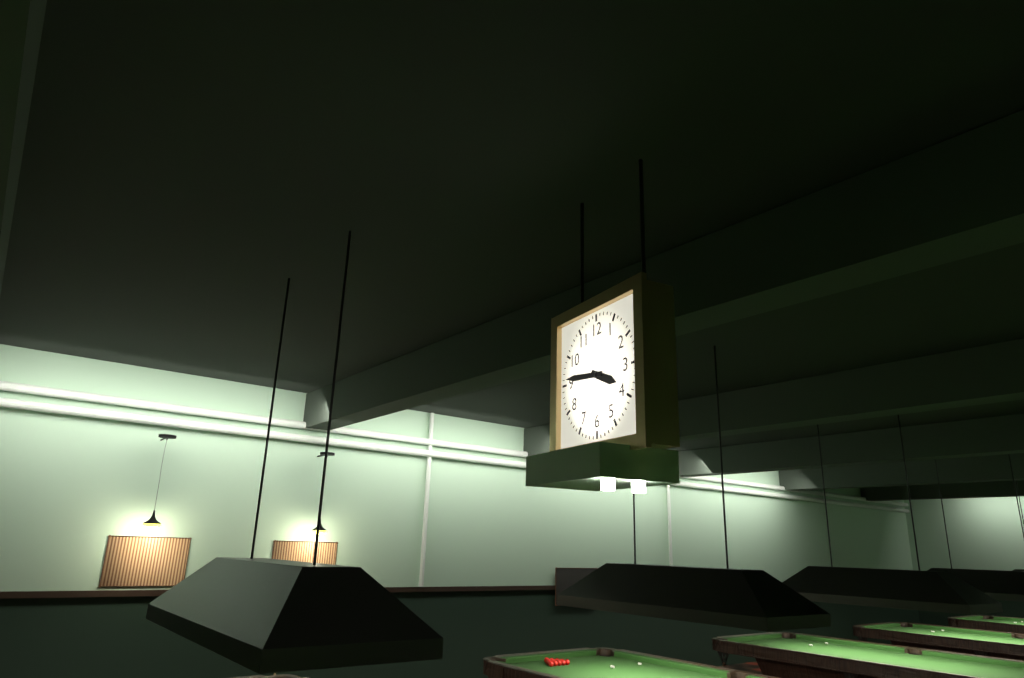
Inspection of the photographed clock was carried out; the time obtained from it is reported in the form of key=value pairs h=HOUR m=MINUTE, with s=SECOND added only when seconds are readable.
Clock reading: h=3 m=46
